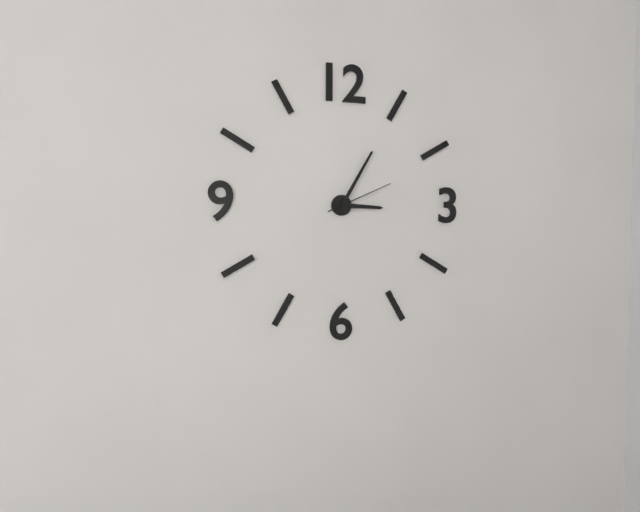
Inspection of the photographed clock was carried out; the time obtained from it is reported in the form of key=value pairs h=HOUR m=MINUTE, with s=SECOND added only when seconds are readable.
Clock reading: h=3 m=5 s=11
